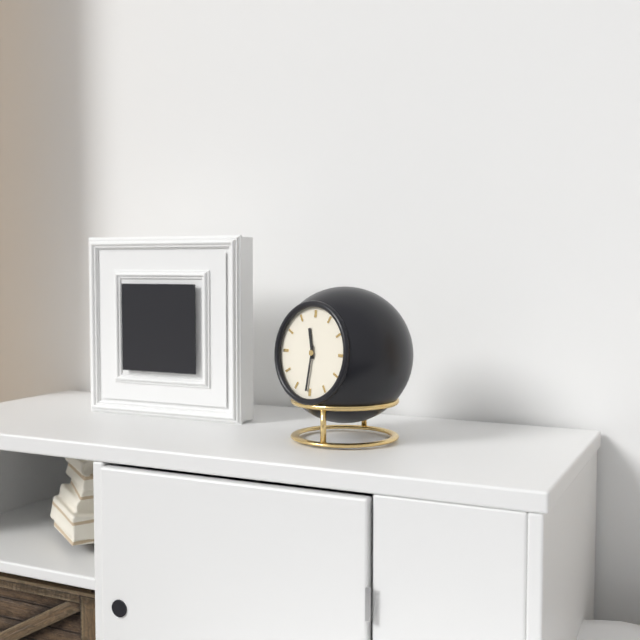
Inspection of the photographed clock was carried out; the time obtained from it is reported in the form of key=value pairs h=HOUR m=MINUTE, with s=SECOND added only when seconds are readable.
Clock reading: h=11 m=31
